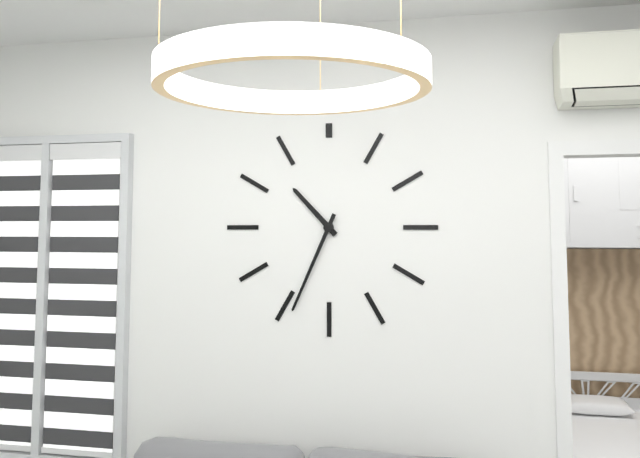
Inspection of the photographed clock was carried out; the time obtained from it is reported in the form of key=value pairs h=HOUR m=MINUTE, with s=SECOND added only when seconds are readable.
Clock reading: h=10 m=34
